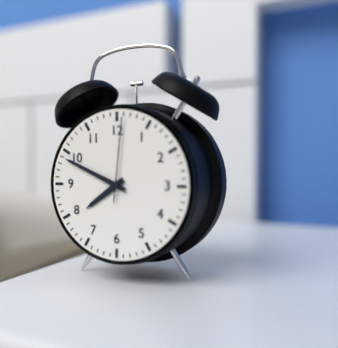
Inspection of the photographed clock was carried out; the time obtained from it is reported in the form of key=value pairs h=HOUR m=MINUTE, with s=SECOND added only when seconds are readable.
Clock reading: h=7 m=49 s=1
